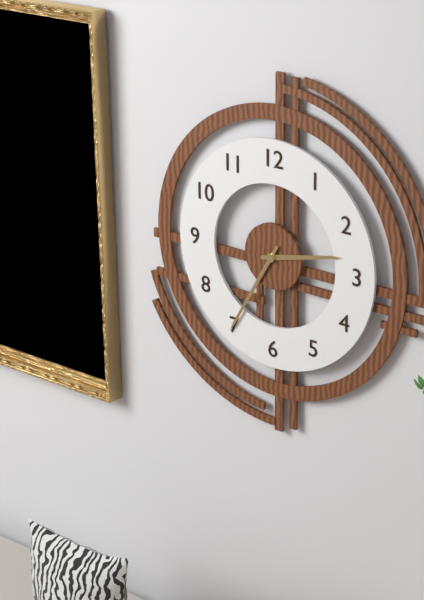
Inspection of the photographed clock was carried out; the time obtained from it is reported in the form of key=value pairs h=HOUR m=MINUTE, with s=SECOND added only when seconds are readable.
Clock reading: h=2 m=35
